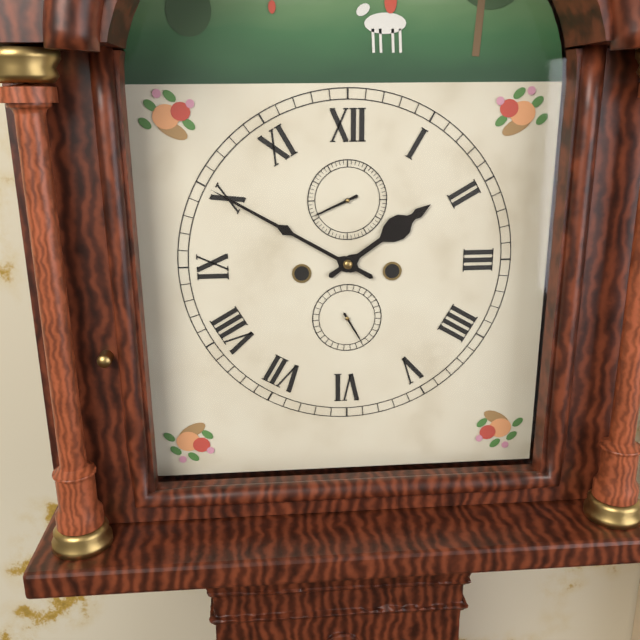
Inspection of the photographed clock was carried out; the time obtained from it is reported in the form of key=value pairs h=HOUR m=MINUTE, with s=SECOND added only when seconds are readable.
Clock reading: h=1 m=50
